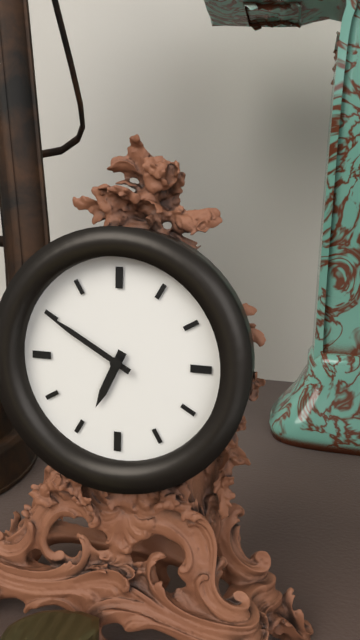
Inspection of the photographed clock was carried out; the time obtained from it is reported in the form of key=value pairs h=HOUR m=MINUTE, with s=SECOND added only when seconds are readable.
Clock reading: h=6 m=50
